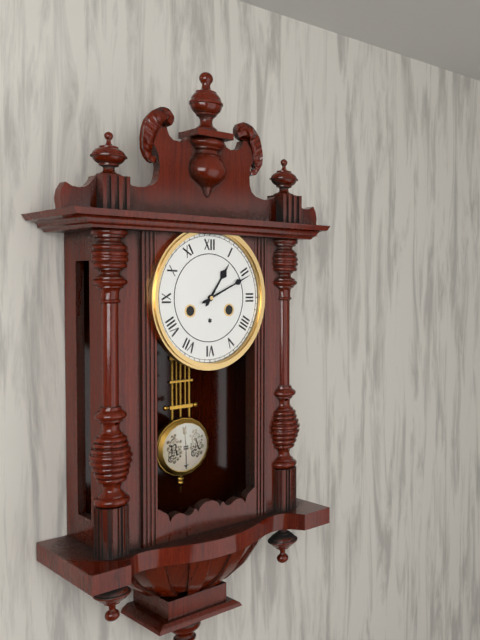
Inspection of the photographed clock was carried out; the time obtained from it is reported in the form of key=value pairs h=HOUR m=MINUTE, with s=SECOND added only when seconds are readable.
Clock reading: h=1 m=11
